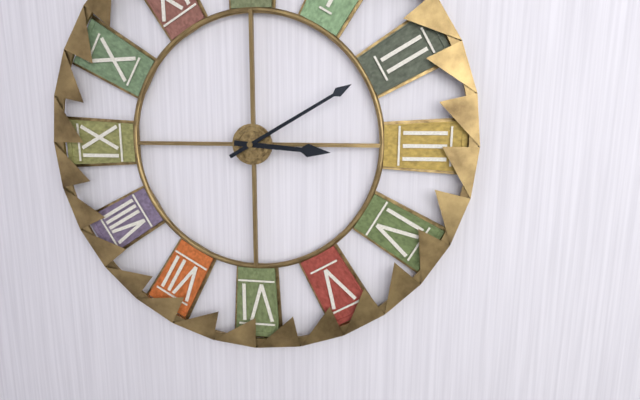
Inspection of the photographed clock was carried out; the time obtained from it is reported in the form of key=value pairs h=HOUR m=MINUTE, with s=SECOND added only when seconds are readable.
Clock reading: h=3 m=10
